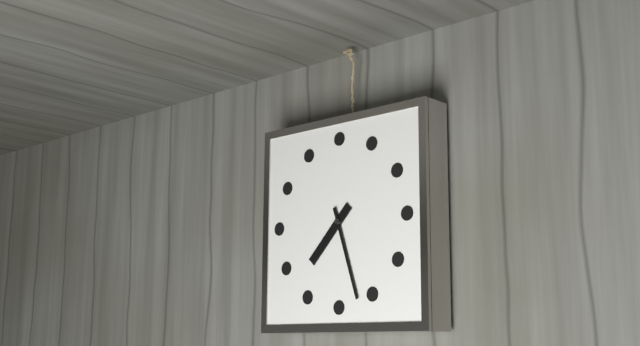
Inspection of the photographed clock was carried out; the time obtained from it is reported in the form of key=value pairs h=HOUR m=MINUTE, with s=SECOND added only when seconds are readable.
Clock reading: h=7 m=27
